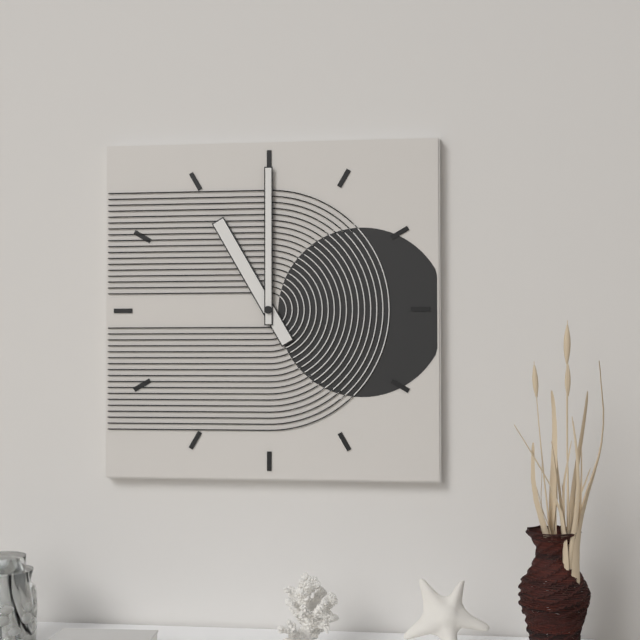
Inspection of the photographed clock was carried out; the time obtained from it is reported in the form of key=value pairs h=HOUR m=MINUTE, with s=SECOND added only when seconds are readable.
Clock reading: h=11 m=0
